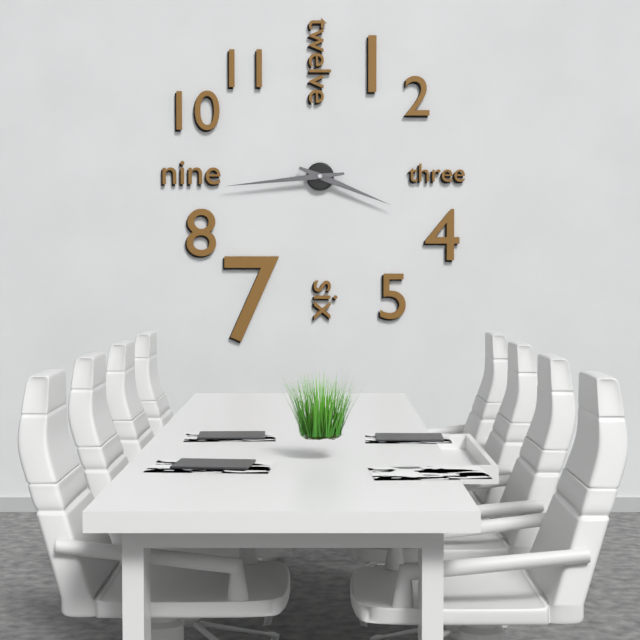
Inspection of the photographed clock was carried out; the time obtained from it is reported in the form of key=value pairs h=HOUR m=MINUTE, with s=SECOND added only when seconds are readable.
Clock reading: h=3 m=44
